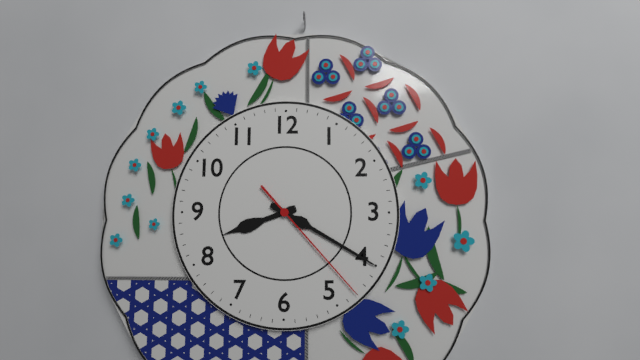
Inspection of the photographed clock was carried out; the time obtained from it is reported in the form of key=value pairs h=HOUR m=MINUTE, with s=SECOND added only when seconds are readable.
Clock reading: h=8 m=20 s=23
